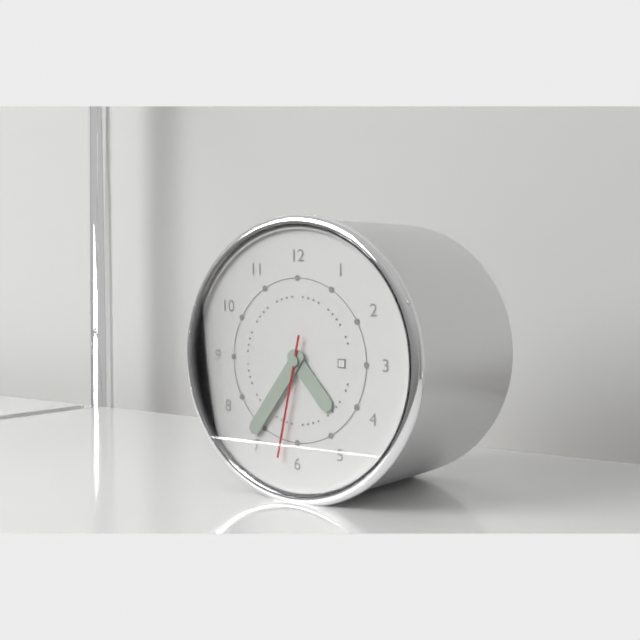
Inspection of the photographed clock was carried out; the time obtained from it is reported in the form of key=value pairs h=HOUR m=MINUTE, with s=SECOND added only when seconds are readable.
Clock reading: h=4 m=36 s=32
